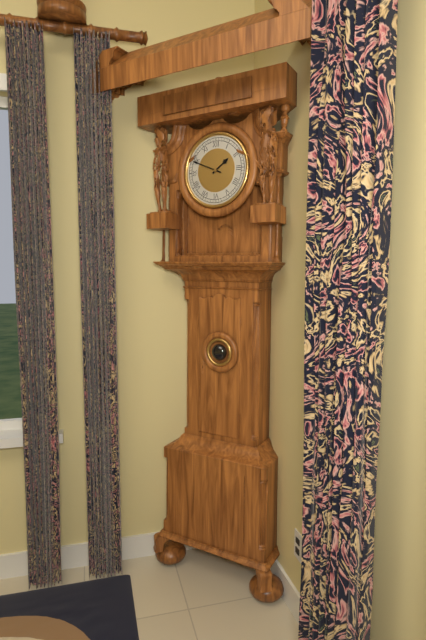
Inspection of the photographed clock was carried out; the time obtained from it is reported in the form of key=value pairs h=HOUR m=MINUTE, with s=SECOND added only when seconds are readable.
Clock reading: h=1 m=49
